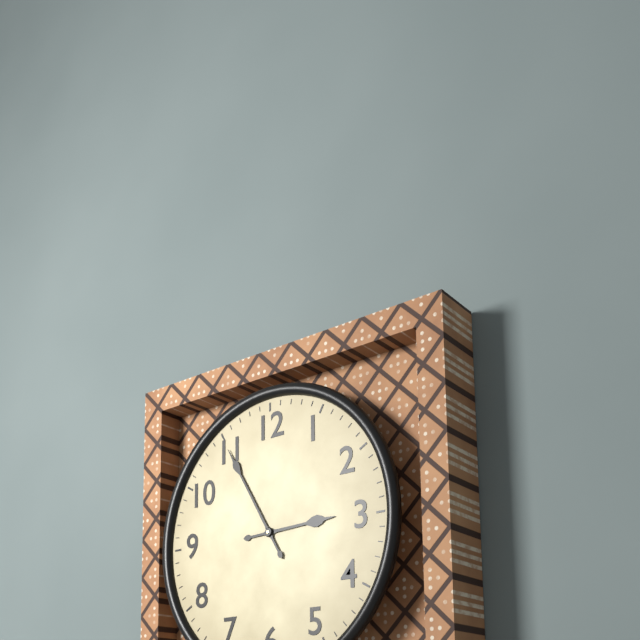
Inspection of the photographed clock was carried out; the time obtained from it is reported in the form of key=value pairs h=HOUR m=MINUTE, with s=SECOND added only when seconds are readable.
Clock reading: h=2 m=55
